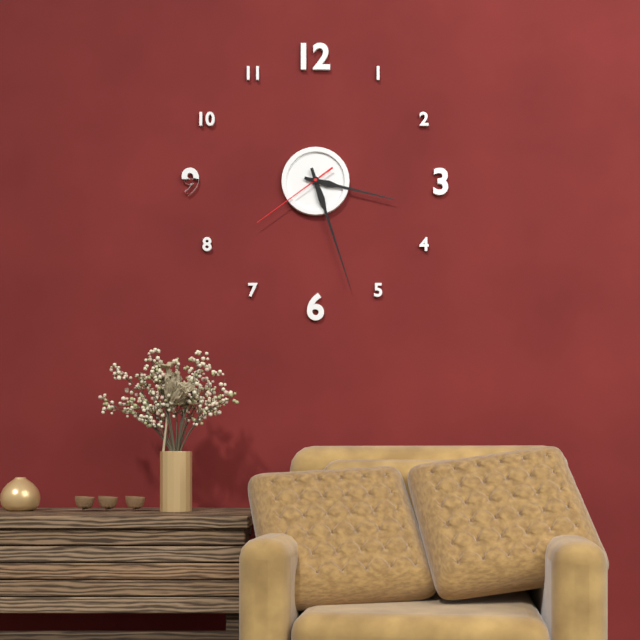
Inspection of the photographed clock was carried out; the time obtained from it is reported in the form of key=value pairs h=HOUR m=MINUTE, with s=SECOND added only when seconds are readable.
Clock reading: h=3 m=27 s=39
